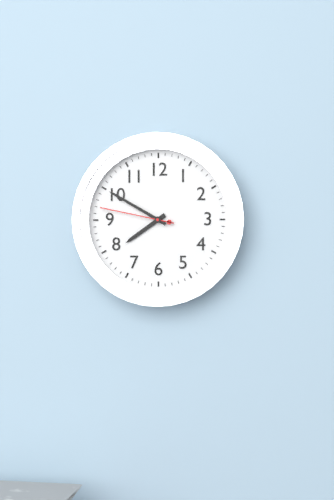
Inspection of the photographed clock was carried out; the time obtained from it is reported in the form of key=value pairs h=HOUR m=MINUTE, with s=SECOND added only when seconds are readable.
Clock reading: h=7 m=50 s=47
